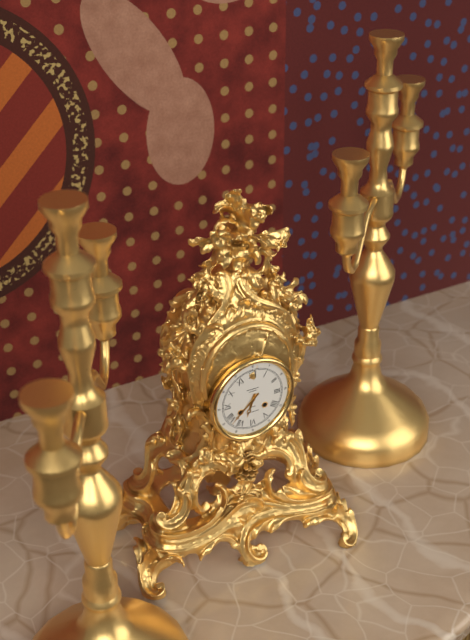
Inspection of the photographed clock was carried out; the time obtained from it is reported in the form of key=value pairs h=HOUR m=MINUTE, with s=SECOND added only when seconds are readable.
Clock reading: h=6 m=38
